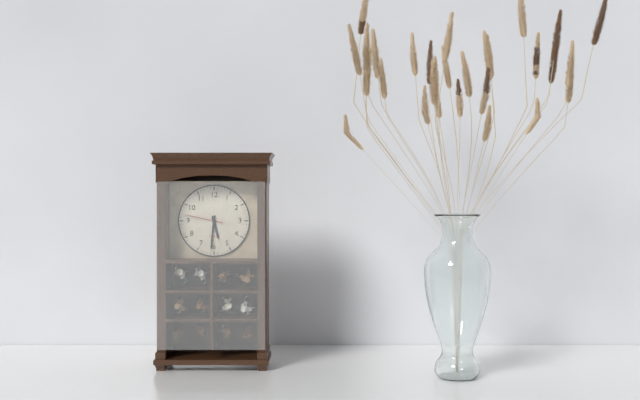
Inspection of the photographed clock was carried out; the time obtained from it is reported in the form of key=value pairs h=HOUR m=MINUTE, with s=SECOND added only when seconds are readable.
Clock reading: h=5 m=31
